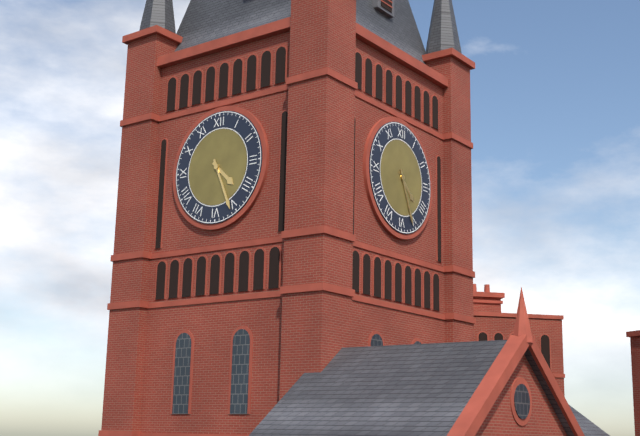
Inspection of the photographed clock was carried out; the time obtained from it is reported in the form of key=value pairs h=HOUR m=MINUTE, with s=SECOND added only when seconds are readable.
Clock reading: h=4 m=26
